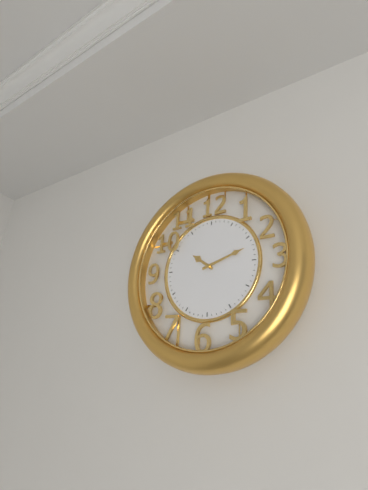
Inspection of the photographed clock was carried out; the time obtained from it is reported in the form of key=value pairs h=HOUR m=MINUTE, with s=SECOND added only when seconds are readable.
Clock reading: h=10 m=12
